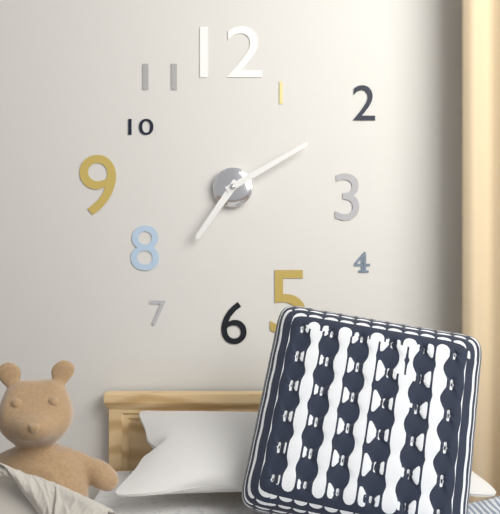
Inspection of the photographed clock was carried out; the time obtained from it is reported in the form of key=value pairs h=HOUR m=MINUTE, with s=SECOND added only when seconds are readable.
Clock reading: h=7 m=10
